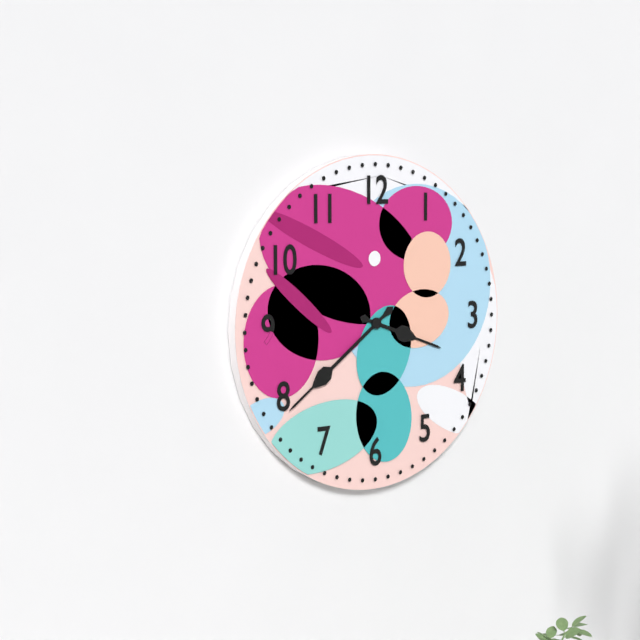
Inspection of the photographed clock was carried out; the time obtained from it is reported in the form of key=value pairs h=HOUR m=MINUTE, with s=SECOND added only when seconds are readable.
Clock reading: h=3 m=39
